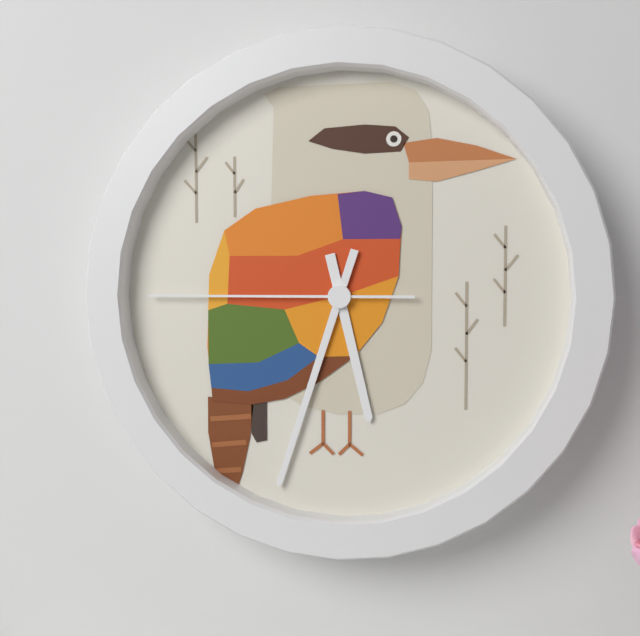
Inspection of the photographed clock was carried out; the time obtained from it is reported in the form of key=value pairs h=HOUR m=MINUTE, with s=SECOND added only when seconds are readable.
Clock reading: h=5 m=33 s=45
